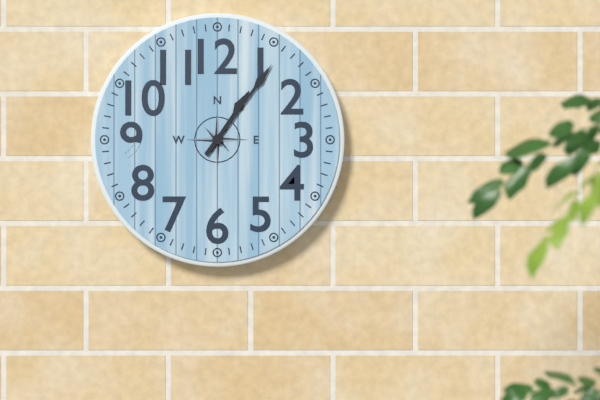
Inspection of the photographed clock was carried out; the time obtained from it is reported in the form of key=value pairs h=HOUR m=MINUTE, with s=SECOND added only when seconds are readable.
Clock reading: h=1 m=6
